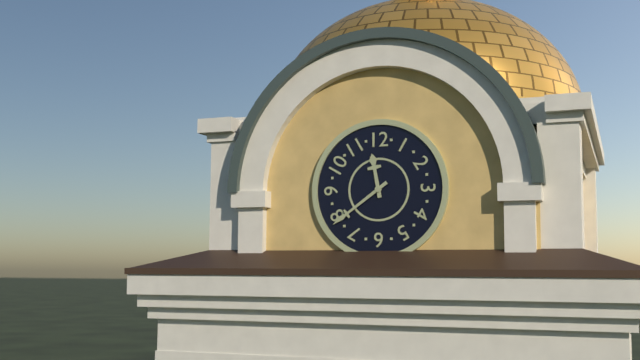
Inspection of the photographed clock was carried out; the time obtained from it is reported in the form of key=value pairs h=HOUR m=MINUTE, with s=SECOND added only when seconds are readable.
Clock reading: h=11 m=39
